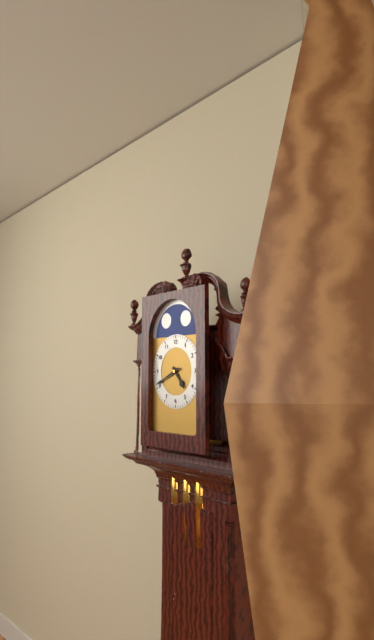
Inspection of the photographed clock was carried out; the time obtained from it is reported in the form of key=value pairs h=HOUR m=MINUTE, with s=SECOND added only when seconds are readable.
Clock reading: h=4 m=41
